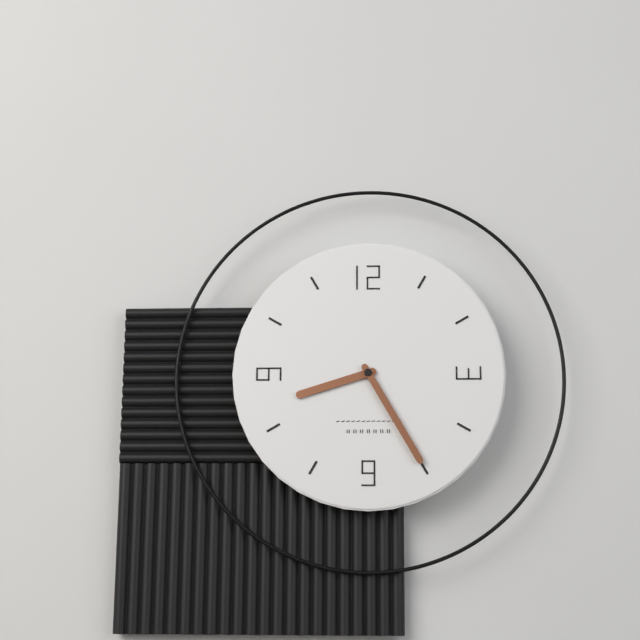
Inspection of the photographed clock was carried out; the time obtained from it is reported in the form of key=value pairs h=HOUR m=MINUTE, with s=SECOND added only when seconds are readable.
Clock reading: h=8 m=25
